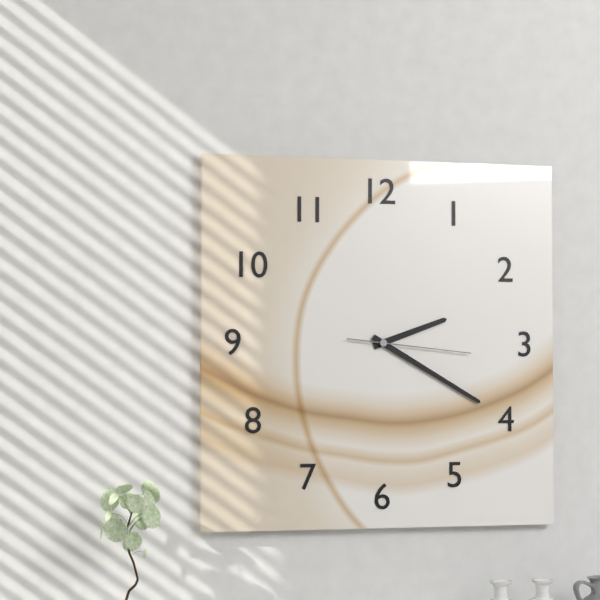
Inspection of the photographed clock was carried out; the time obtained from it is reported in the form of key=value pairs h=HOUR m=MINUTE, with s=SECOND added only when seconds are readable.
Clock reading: h=2 m=20 s=16
